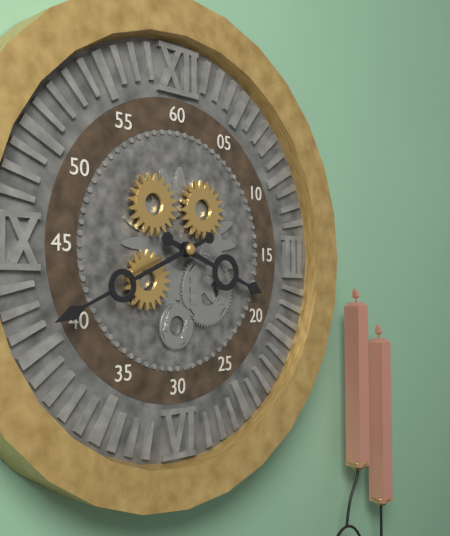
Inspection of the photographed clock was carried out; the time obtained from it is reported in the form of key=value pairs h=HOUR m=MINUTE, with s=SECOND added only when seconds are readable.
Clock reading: h=3 m=41
